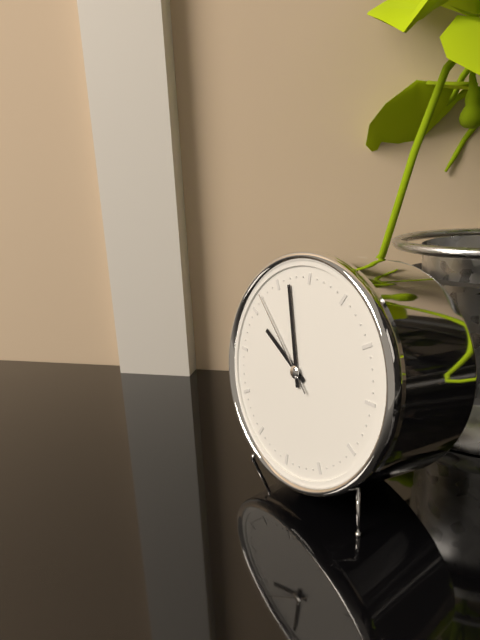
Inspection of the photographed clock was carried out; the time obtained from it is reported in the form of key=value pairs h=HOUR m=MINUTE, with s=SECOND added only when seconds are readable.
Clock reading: h=9 m=57 s=52
